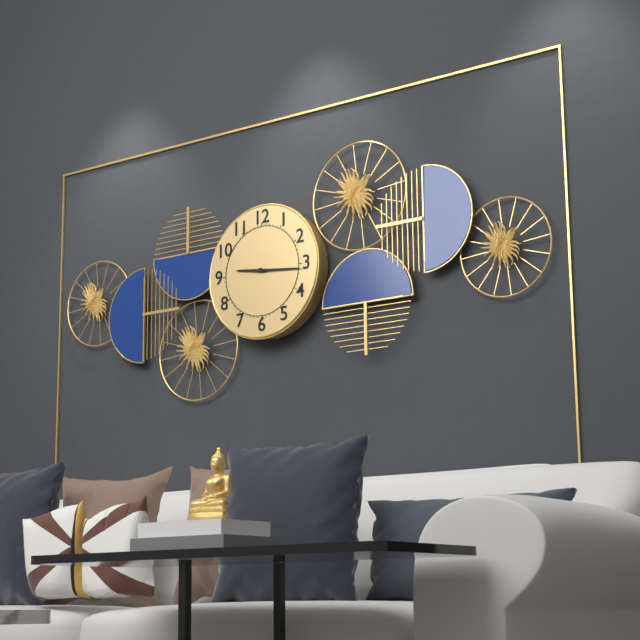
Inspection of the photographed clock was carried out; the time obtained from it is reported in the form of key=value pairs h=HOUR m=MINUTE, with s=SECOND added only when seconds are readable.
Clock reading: h=9 m=16
